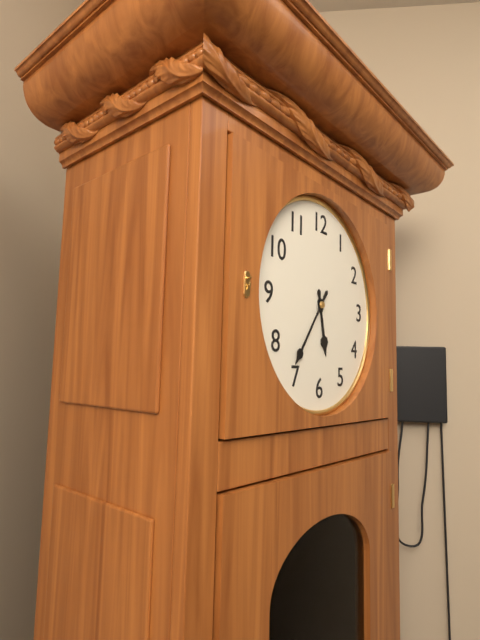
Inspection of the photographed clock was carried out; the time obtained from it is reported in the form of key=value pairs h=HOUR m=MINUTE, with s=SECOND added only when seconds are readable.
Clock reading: h=5 m=36
